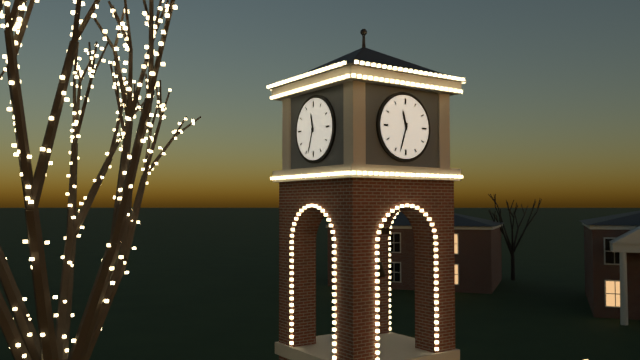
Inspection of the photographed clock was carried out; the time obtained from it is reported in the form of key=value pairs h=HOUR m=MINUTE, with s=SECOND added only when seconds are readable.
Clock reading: h=11 m=33
